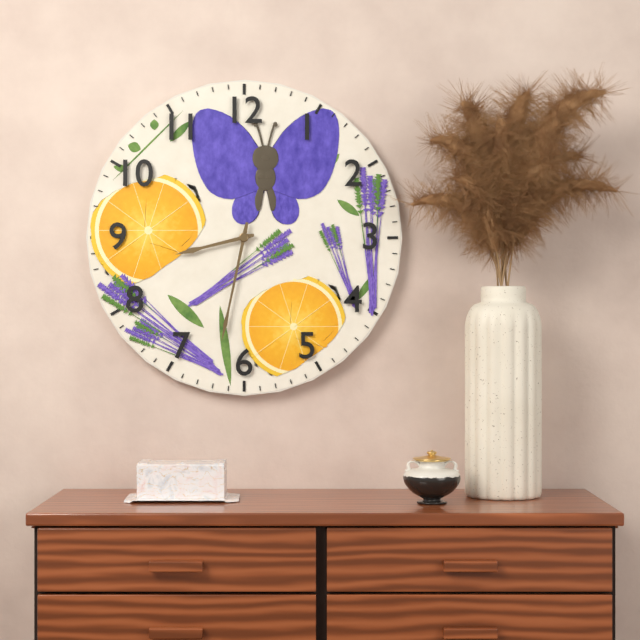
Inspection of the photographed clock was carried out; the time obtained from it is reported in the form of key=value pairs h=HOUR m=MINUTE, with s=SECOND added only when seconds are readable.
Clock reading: h=8 m=32
